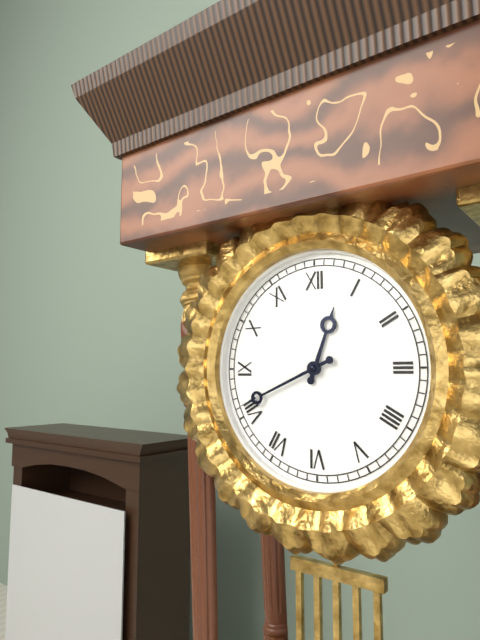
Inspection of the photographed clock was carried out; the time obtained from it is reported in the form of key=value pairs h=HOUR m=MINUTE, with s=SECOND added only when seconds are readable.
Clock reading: h=12 m=41
